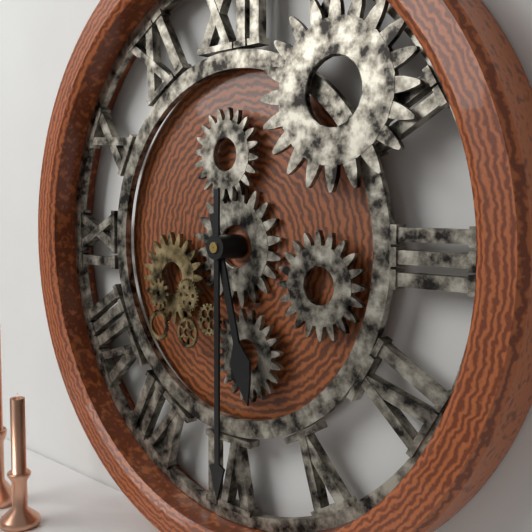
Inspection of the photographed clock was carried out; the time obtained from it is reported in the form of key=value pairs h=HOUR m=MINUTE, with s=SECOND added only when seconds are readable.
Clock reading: h=5 m=30
